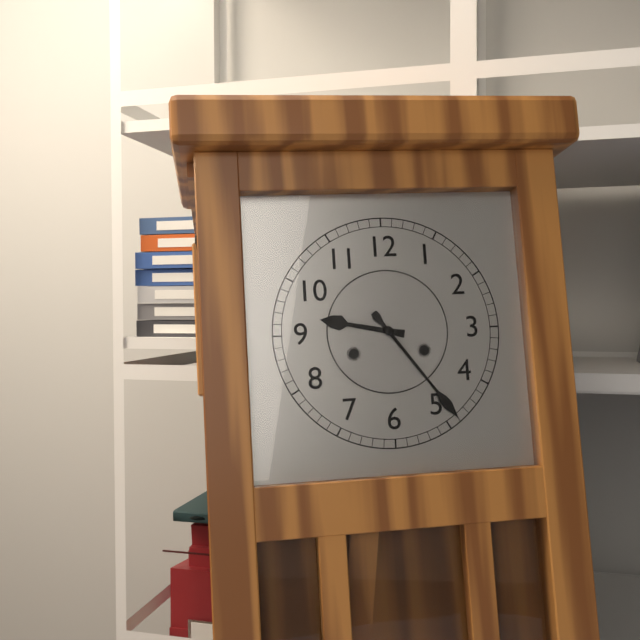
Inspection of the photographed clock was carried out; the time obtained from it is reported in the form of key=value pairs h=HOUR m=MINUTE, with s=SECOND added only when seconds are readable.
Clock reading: h=9 m=24
